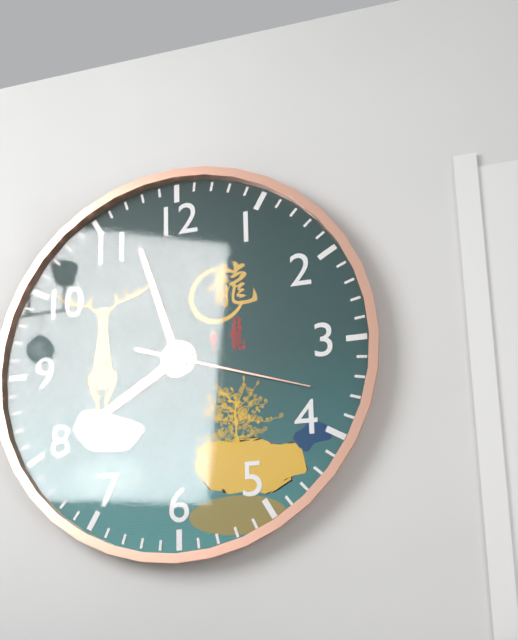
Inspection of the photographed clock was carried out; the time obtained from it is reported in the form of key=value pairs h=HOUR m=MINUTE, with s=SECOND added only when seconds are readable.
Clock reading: h=7 m=57 s=18
